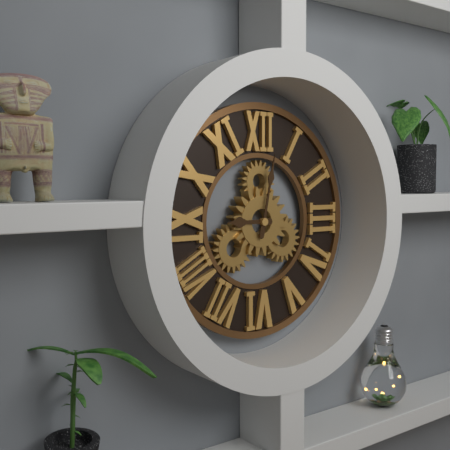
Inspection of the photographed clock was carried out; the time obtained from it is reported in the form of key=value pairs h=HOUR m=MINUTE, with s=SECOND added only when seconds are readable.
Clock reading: h=9 m=2
